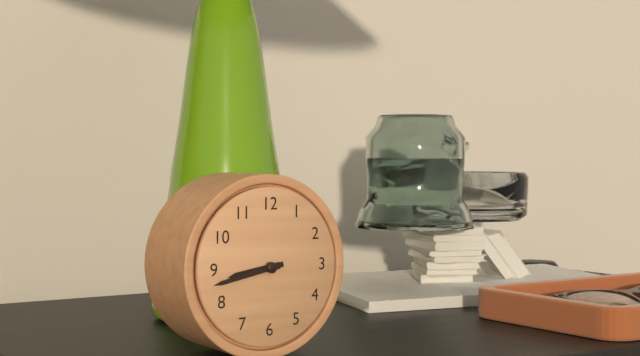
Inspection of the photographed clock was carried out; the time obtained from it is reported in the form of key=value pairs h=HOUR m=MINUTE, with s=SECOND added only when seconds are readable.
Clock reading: h=8 m=43
